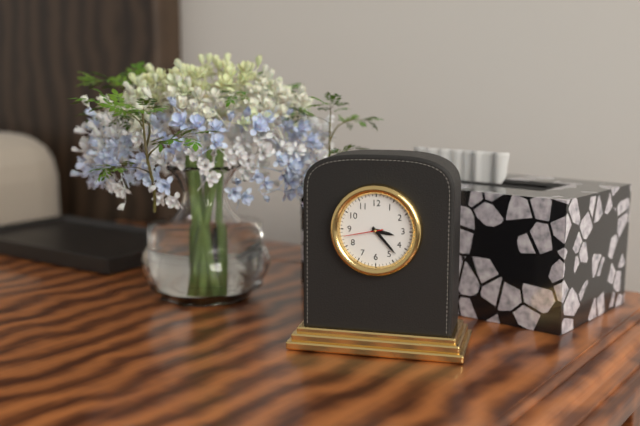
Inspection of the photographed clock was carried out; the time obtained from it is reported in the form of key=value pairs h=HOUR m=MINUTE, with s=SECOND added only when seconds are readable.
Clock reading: h=3 m=23
